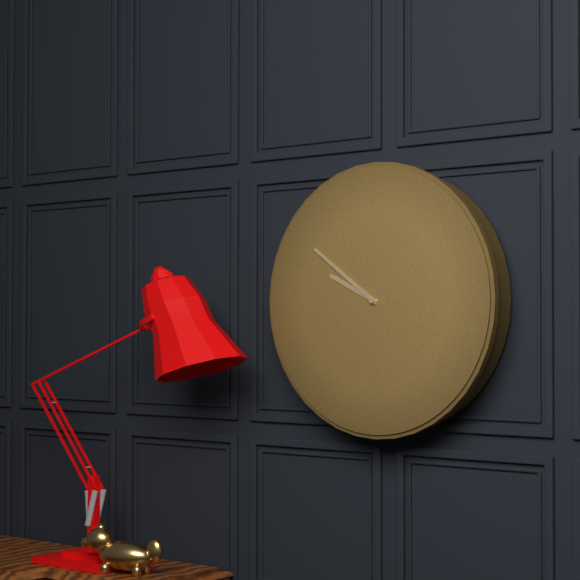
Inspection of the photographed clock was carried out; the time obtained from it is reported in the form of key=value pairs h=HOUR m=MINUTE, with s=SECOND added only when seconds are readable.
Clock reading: h=9 m=51
